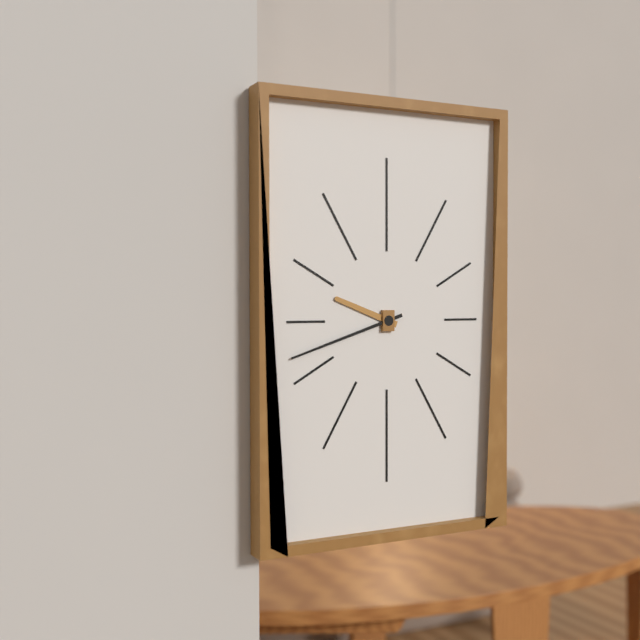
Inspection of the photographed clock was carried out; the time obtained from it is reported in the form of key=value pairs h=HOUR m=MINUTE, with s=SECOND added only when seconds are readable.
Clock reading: h=9 m=42
